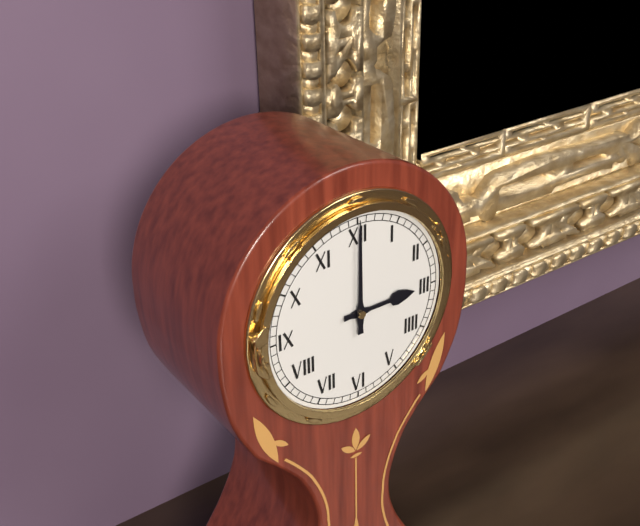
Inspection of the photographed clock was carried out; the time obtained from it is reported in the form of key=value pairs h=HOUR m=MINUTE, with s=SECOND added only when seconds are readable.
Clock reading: h=3 m=0
